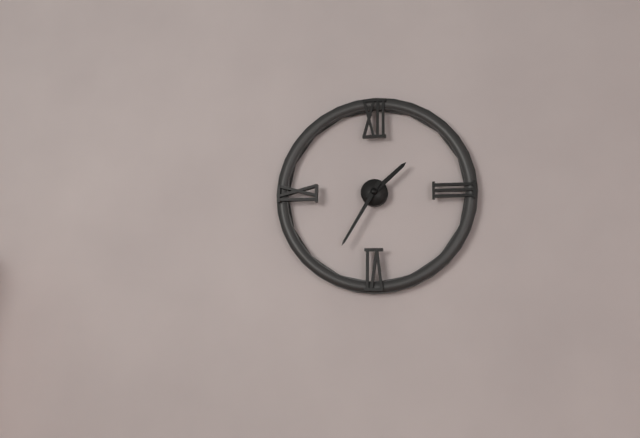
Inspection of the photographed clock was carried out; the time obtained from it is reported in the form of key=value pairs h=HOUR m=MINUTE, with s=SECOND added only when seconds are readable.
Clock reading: h=1 m=35
